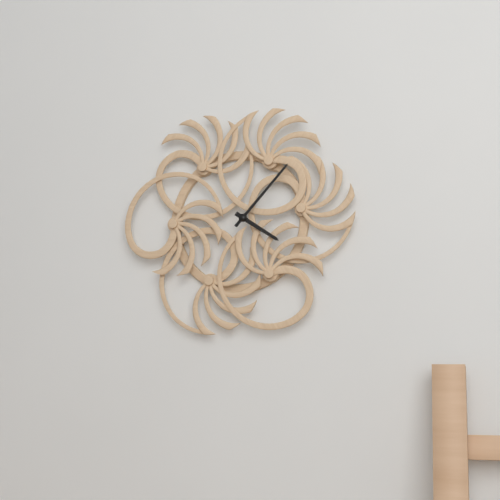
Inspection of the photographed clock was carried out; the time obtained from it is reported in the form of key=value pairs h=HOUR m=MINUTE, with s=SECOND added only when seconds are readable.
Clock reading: h=4 m=7
